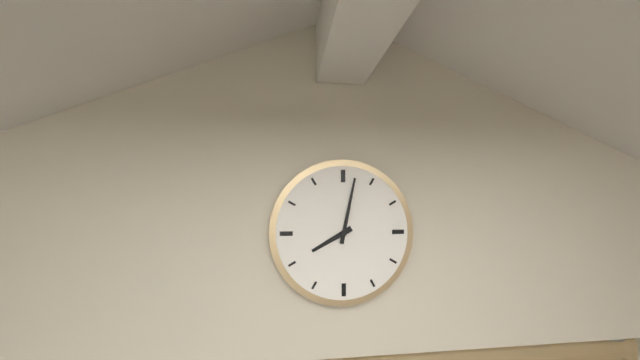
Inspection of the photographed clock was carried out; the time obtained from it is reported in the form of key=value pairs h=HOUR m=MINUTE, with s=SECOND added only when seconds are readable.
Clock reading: h=8 m=2
